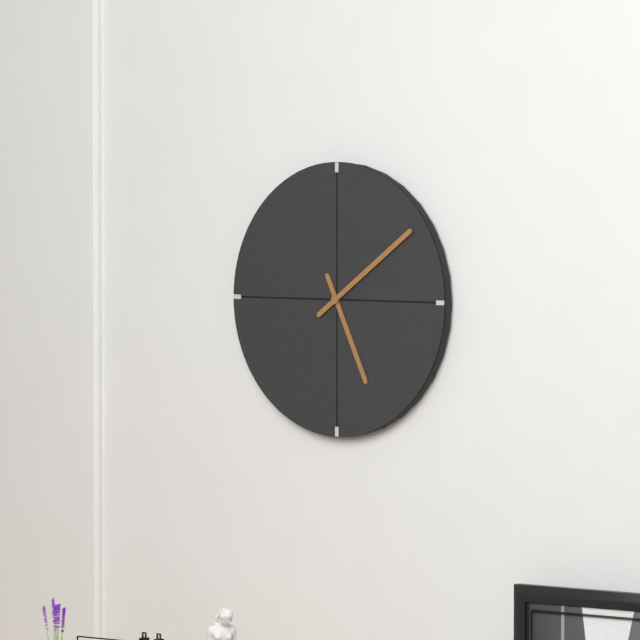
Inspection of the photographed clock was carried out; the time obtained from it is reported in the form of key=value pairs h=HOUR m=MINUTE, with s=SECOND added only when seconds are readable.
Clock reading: h=5 m=9
